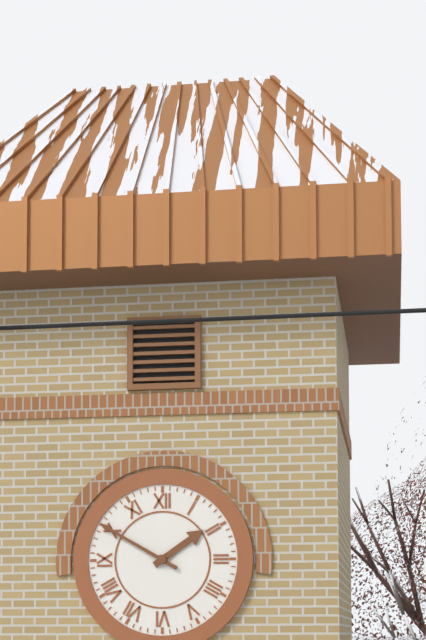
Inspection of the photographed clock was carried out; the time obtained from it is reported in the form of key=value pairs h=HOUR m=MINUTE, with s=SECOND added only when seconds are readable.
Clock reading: h=1 m=50
